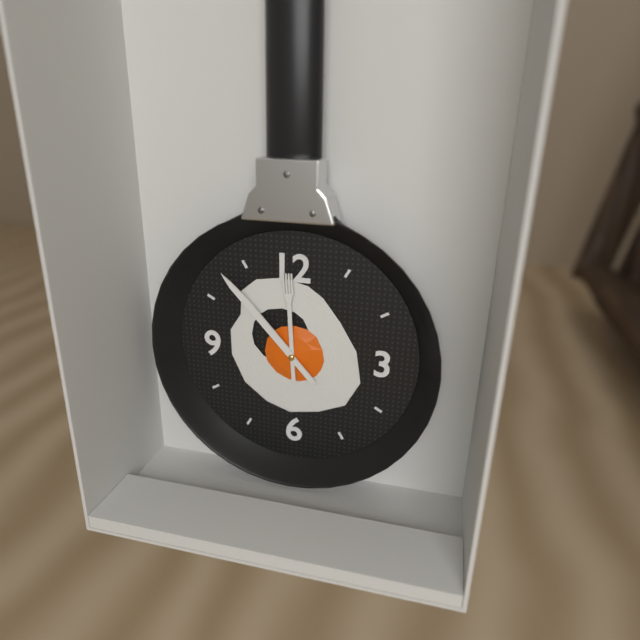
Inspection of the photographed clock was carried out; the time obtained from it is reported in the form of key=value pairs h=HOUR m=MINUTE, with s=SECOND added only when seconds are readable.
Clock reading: h=11 m=53
